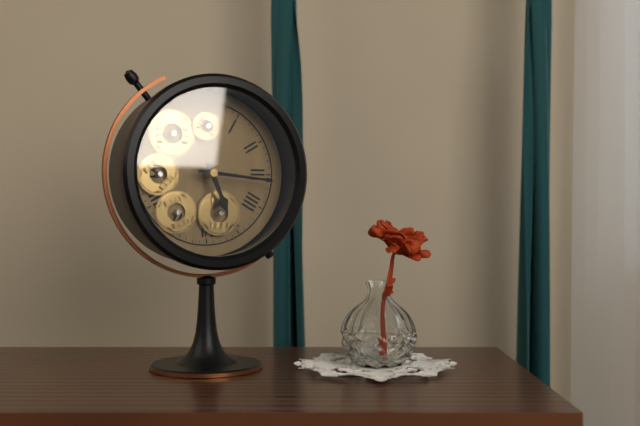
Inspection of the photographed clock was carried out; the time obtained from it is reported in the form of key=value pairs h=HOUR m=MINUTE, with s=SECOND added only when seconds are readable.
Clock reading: h=5 m=16
